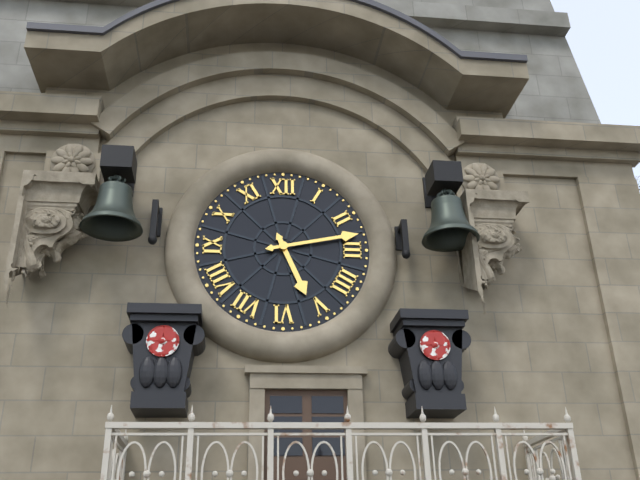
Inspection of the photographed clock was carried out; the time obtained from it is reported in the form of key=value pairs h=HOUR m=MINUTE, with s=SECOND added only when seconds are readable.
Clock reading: h=5 m=13
